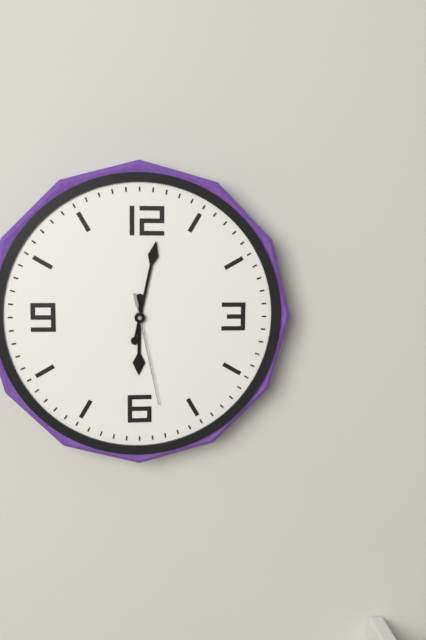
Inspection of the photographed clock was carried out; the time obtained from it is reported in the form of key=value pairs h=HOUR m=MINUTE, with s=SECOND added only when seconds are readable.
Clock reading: h=6 m=2 s=28
